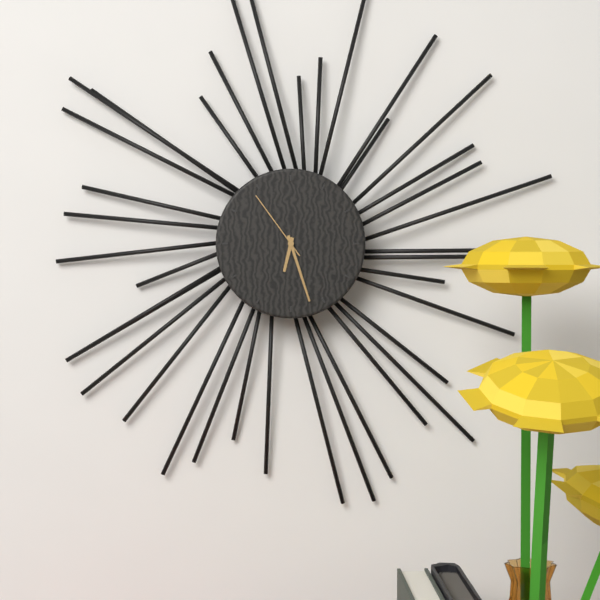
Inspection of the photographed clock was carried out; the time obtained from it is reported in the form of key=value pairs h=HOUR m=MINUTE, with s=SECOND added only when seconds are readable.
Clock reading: h=6 m=27 s=54
